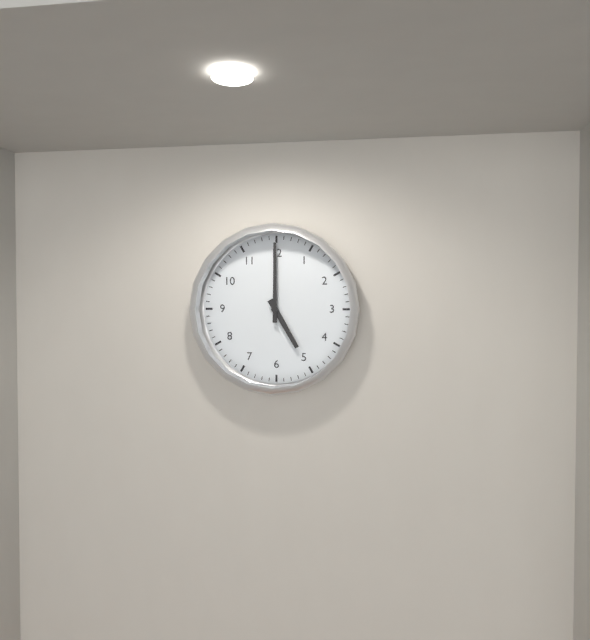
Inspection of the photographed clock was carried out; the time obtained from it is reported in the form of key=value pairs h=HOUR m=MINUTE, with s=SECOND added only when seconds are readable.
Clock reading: h=5 m=0
